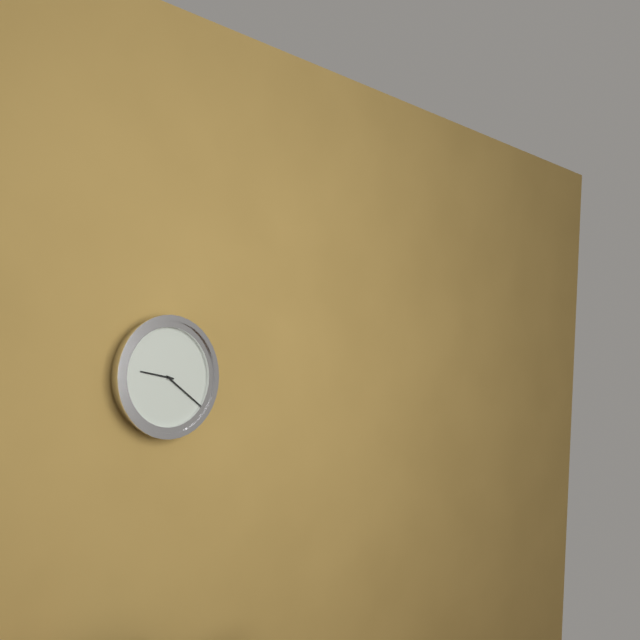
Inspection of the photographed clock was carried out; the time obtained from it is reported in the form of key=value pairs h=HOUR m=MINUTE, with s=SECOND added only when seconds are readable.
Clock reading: h=9 m=21
